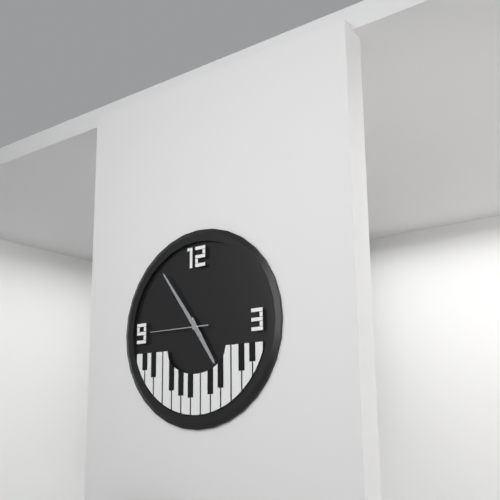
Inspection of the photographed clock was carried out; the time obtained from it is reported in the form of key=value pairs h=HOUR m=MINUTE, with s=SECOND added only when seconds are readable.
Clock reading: h=4 m=54 s=45
